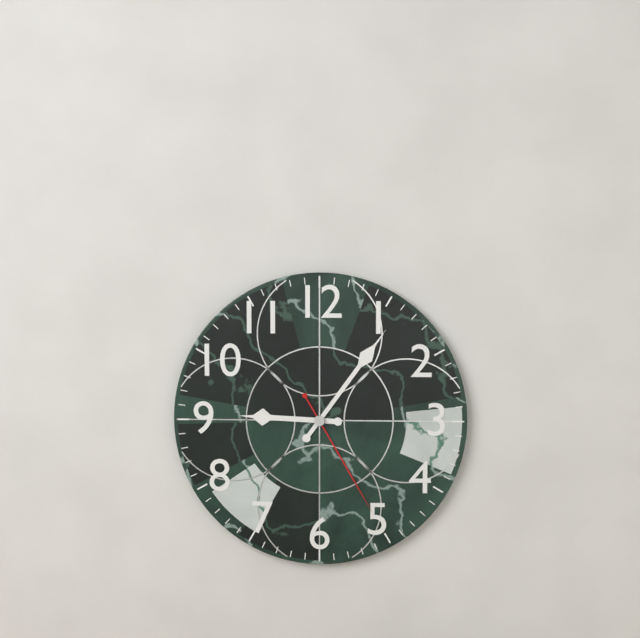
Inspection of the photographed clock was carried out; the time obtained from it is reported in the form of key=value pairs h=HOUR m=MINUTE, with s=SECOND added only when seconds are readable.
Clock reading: h=9 m=6 s=25
